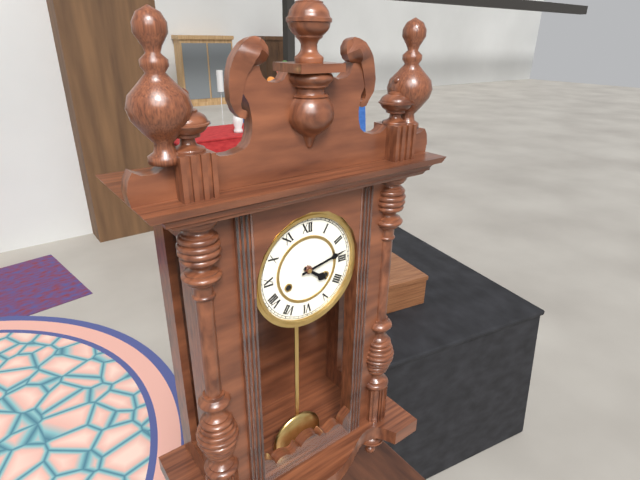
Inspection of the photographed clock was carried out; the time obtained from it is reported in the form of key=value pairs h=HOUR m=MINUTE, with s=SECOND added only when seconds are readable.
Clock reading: h=4 m=13
